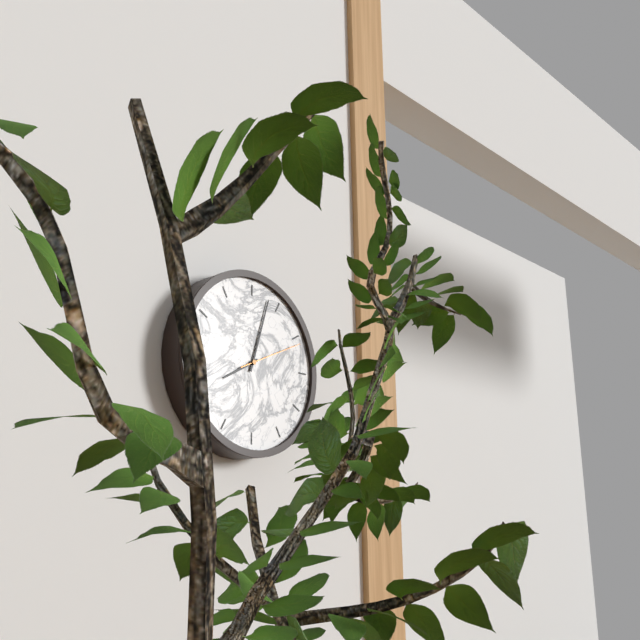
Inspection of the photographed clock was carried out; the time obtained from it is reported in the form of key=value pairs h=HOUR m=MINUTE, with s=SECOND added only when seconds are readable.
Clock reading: h=8 m=3 s=11
